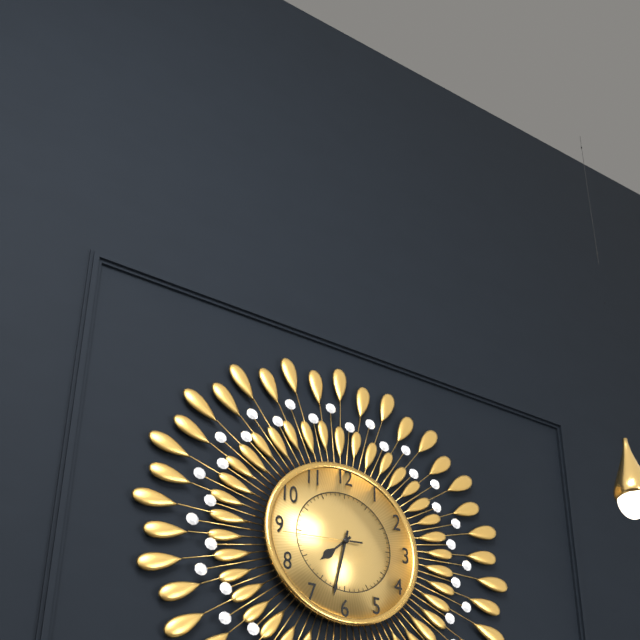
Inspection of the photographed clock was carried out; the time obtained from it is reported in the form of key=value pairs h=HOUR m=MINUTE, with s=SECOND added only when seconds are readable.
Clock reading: h=7 m=32 s=44
